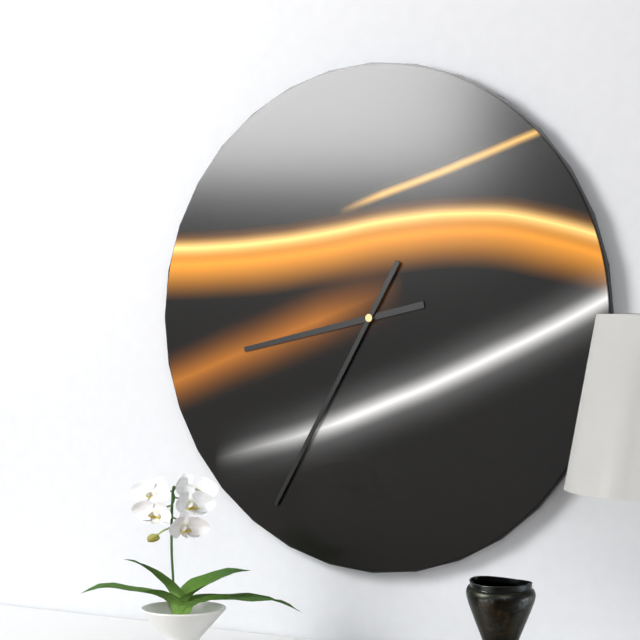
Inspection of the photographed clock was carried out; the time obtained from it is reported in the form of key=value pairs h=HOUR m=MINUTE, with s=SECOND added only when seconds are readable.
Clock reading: h=8 m=35
